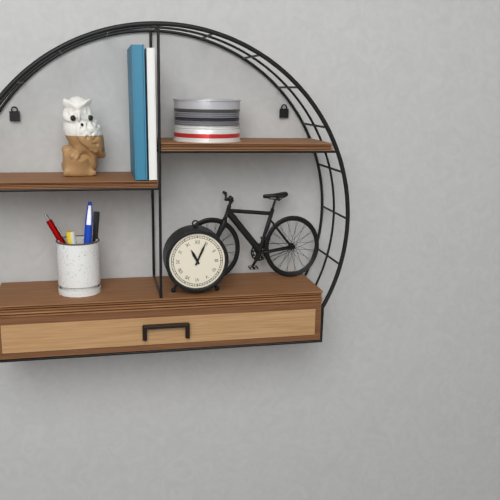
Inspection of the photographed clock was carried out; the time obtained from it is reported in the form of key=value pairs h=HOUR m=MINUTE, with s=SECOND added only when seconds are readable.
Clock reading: h=11 m=4
